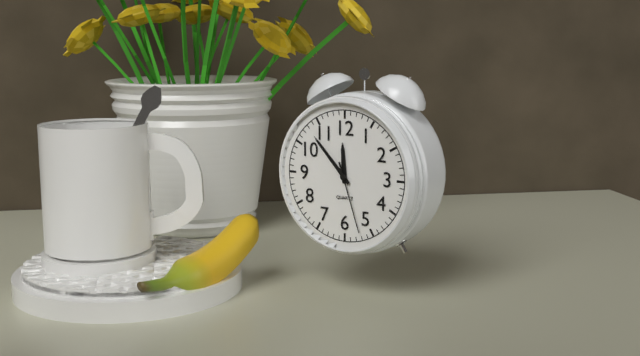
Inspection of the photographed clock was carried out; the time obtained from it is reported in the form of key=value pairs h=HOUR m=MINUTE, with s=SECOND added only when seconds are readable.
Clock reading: h=11 m=53 s=27
